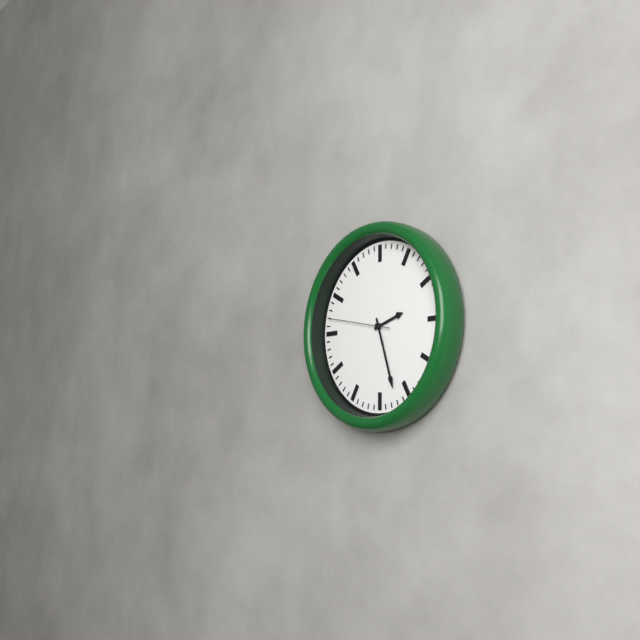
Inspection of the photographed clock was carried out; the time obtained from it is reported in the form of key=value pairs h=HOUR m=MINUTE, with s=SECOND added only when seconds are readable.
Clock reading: h=2 m=27 s=47
